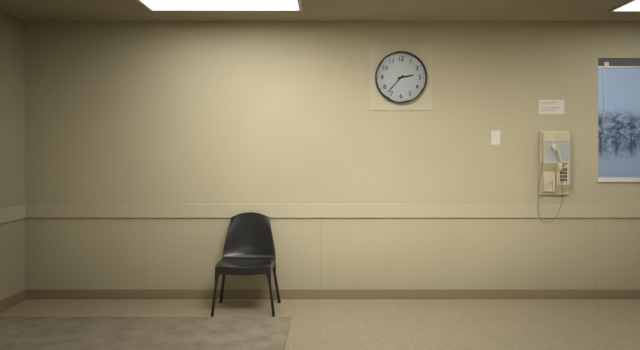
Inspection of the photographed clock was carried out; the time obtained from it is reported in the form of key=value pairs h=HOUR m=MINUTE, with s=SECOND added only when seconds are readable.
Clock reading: h=2 m=37
